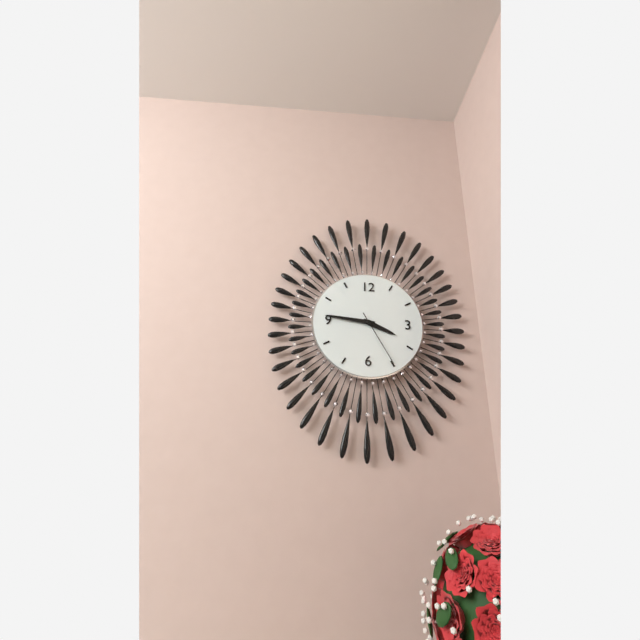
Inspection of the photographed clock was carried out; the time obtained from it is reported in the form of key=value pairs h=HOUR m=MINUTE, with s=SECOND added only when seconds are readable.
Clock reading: h=3 m=46 s=25
